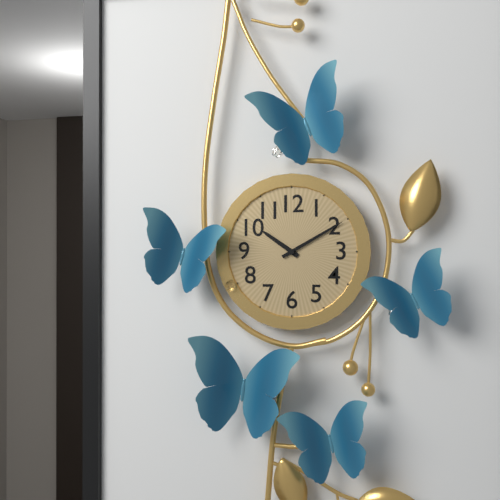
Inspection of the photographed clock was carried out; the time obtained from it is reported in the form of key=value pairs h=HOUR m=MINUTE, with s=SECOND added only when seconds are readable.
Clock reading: h=10 m=10
